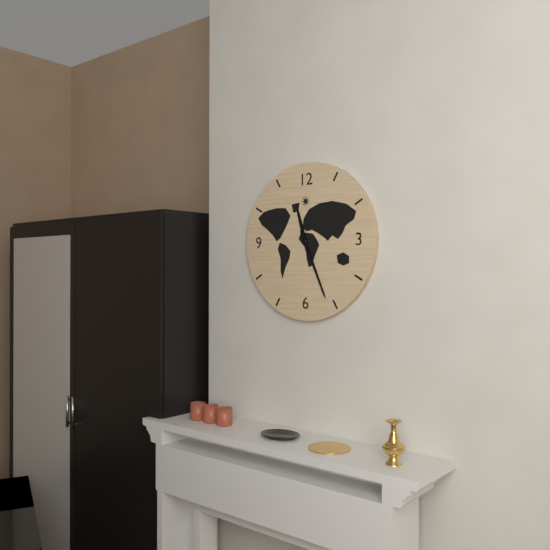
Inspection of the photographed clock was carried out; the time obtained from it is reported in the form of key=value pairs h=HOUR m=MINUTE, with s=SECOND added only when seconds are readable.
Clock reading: h=11 m=26
